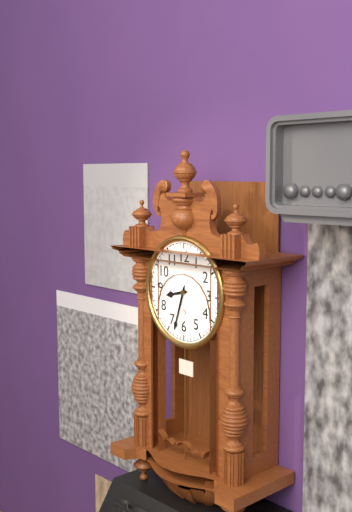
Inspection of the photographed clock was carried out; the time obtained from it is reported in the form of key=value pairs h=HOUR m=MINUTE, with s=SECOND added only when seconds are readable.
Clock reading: h=8 m=33
